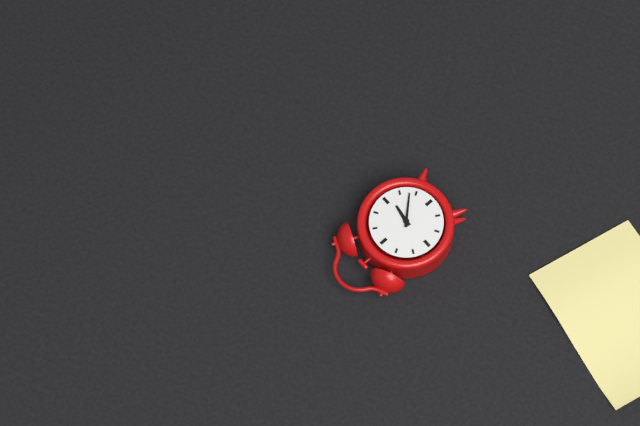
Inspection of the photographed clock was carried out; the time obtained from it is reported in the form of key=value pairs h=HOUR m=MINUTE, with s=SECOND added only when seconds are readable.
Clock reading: h=3 m=23
